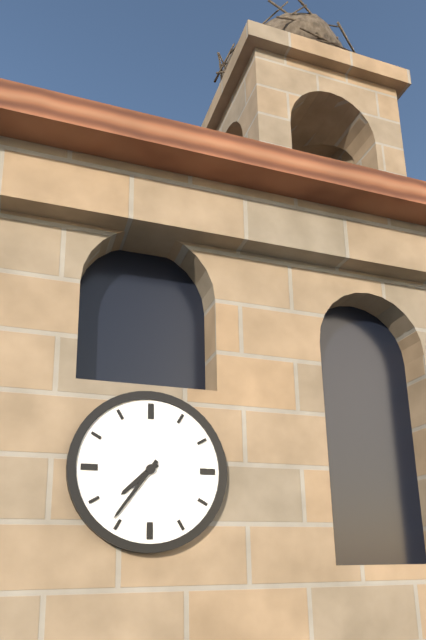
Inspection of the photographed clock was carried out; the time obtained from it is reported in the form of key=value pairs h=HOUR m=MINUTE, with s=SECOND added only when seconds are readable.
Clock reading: h=7 m=36
